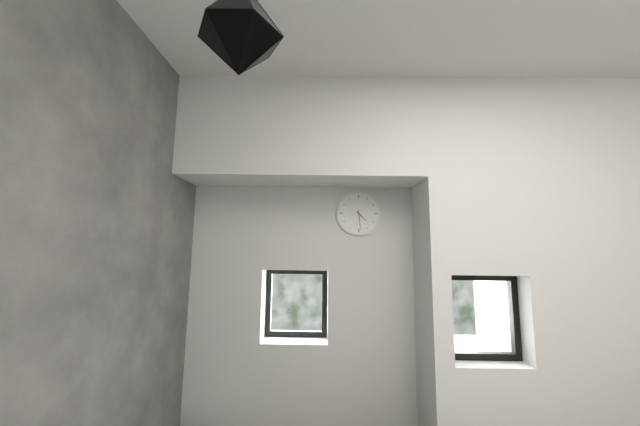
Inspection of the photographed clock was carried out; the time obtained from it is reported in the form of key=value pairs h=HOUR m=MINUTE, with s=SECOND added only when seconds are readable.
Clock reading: h=4 m=29
